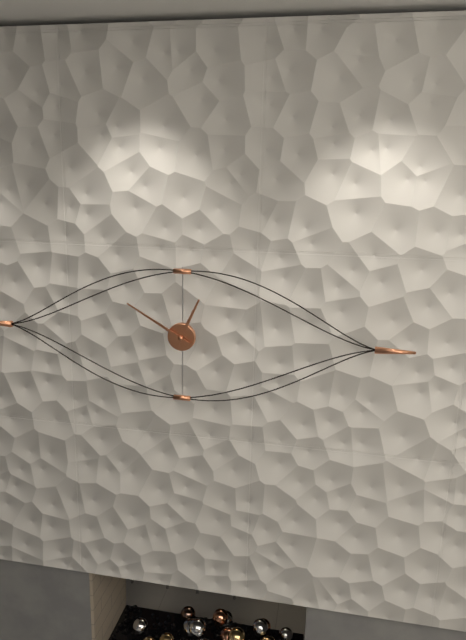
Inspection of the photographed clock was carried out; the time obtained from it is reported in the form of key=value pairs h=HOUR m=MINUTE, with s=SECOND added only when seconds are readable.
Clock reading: h=12 m=50
